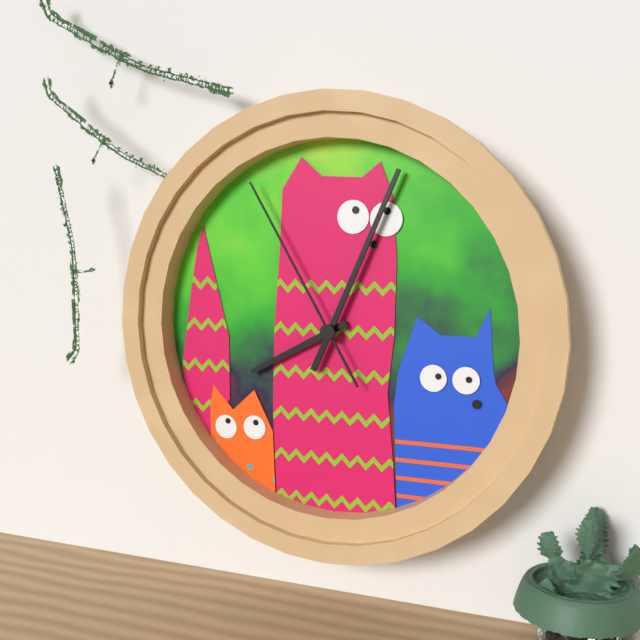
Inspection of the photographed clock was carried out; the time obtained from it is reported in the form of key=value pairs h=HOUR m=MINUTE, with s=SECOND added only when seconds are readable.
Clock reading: h=8 m=4 s=55
